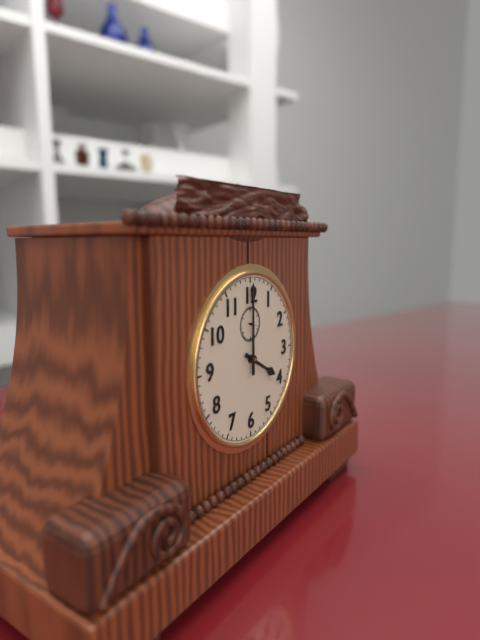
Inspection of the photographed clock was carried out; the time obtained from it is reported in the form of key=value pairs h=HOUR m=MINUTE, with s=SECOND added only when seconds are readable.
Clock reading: h=4 m=0
